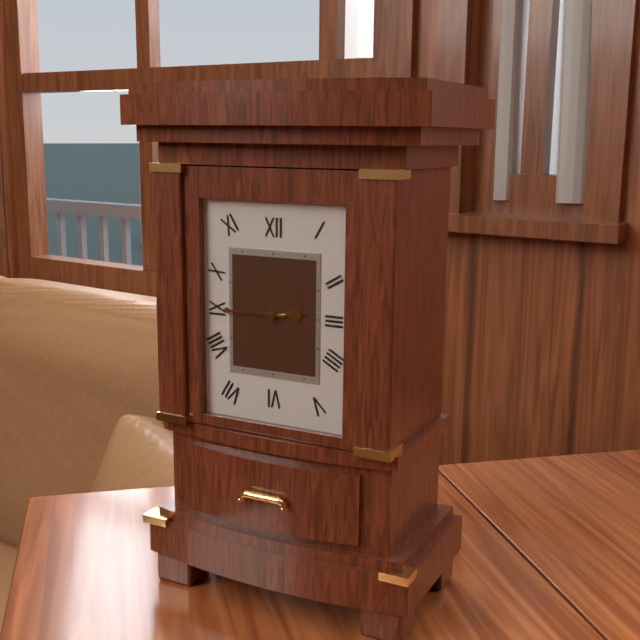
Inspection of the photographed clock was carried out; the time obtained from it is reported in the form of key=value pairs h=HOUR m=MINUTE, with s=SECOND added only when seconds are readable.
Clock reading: h=2 m=45
